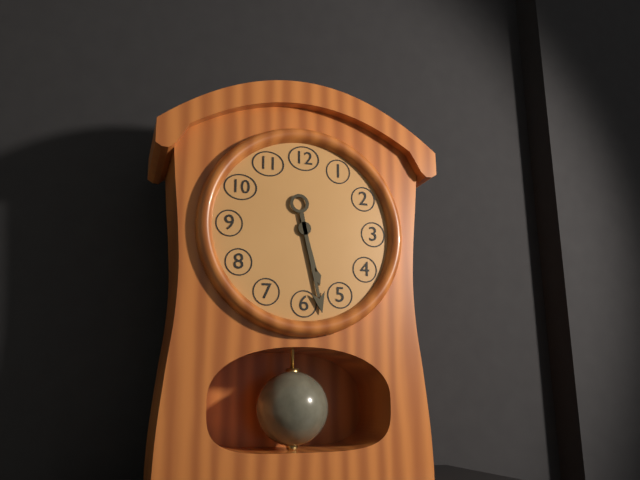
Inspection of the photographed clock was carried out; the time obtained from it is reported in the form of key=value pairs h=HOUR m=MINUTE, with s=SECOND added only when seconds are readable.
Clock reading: h=5 m=28
